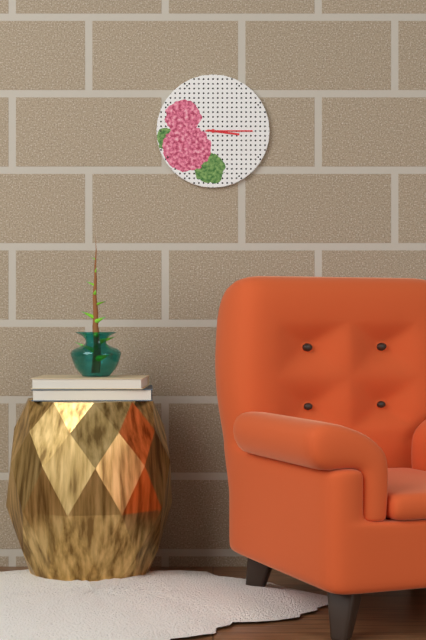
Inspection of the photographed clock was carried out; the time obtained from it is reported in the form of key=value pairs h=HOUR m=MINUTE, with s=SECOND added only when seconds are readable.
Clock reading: h=3 m=15
